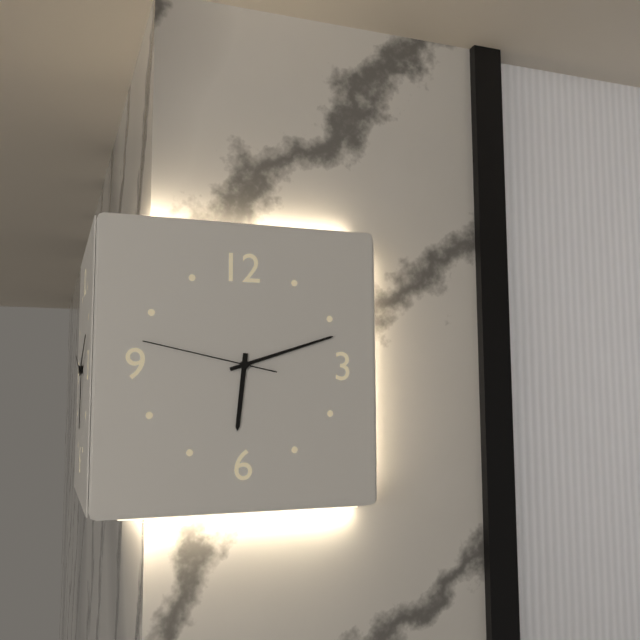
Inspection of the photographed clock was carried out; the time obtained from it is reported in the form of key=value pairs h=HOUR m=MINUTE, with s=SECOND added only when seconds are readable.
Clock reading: h=6 m=12 s=47
